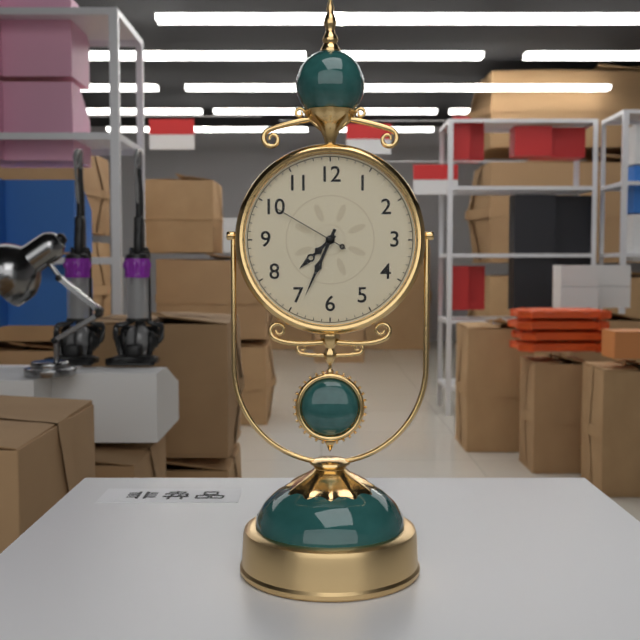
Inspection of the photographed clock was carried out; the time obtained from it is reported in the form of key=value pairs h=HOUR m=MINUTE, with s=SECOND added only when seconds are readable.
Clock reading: h=7 m=34 s=50
